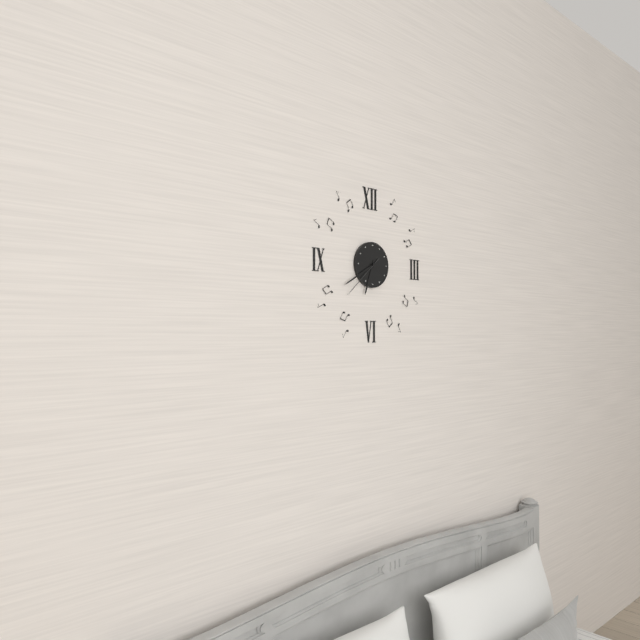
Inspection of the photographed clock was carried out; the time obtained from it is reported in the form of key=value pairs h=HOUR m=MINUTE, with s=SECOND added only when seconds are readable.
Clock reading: h=6 m=40
